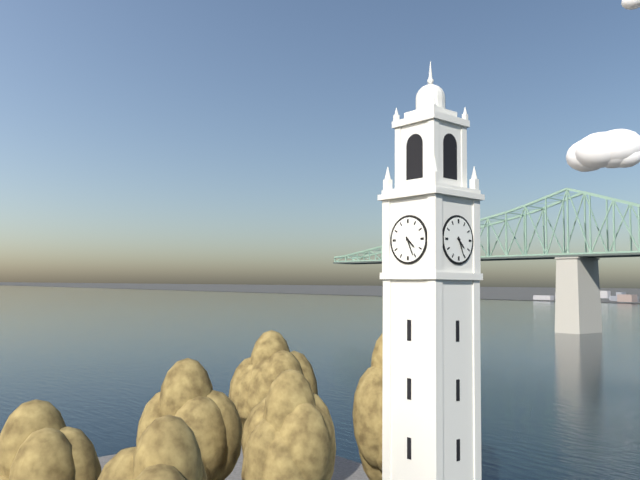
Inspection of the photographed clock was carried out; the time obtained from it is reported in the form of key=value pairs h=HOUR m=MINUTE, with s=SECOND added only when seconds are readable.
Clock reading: h=4 m=26
